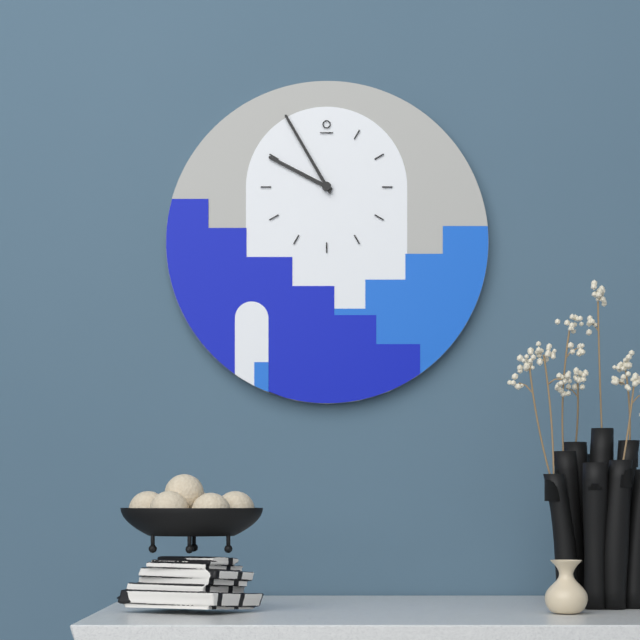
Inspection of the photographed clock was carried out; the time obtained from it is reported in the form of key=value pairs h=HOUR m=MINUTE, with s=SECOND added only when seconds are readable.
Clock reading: h=9 m=55
